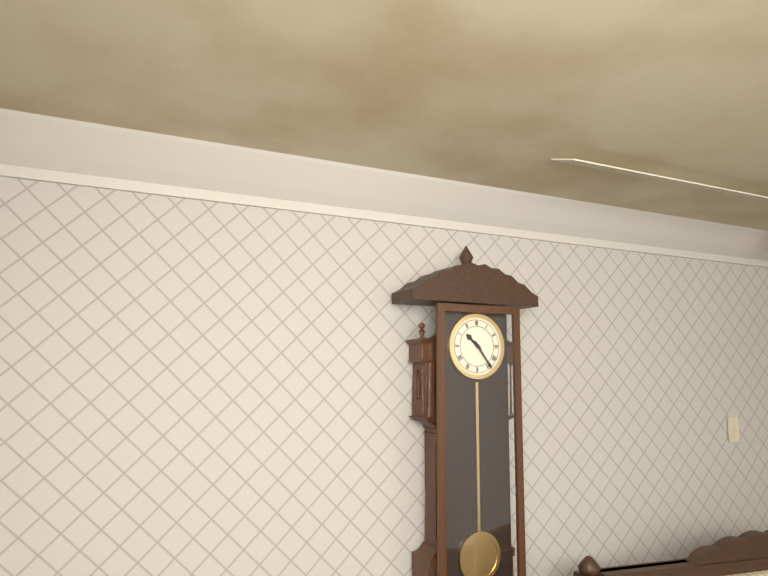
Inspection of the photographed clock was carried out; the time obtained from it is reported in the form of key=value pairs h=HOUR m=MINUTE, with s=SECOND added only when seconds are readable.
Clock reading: h=10 m=24
